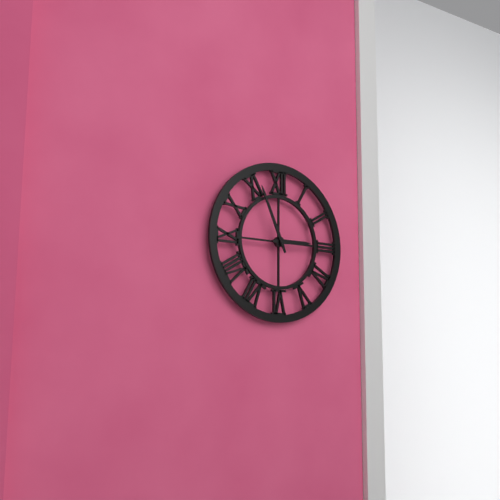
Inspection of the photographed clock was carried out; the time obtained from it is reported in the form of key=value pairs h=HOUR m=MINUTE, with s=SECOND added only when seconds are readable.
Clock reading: h=2 m=56
